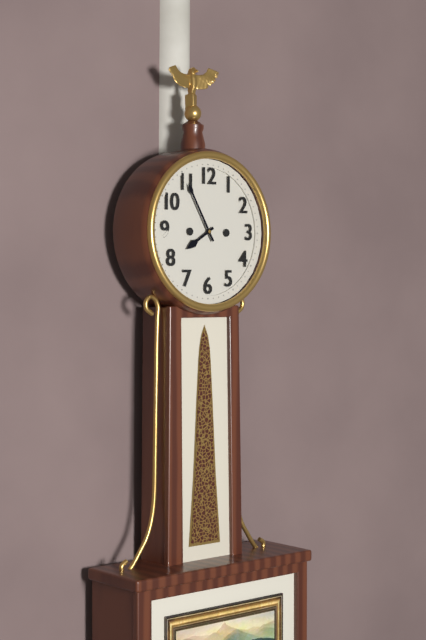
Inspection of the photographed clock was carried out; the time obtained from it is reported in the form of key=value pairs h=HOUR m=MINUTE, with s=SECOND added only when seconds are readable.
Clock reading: h=7 m=55
